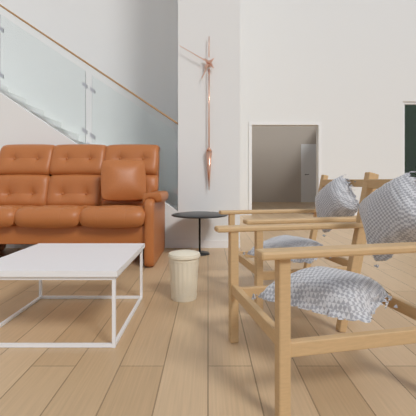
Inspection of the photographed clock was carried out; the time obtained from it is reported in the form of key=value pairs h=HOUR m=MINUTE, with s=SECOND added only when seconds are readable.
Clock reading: h=6 m=50
